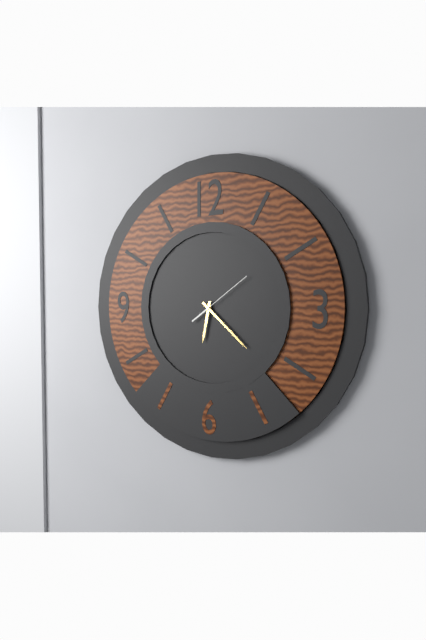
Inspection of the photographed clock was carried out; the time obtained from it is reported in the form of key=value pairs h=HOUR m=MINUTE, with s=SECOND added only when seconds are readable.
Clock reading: h=6 m=22 s=9
